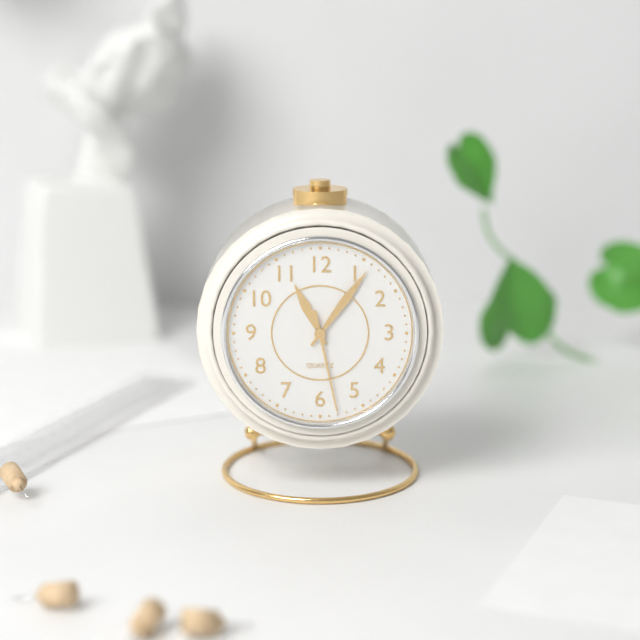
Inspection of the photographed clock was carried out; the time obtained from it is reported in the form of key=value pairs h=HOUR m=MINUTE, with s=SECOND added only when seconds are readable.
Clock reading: h=11 m=6 s=28
